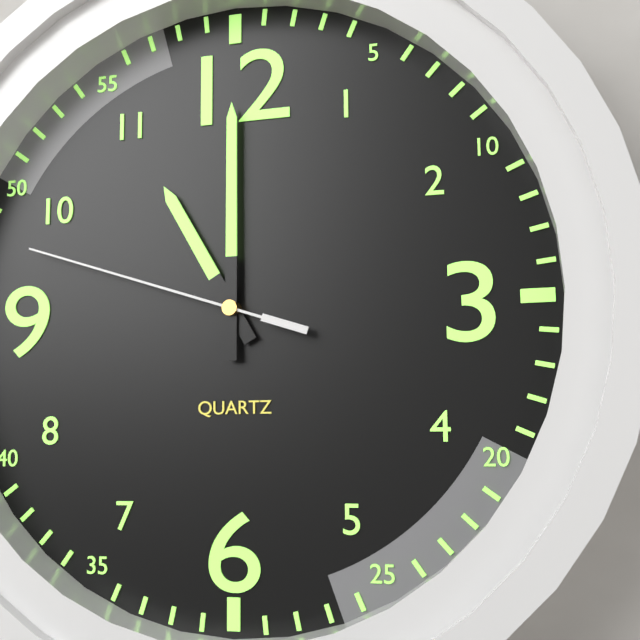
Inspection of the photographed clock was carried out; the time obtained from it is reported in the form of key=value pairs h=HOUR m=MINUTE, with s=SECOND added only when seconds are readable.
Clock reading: h=11 m=0 s=48
